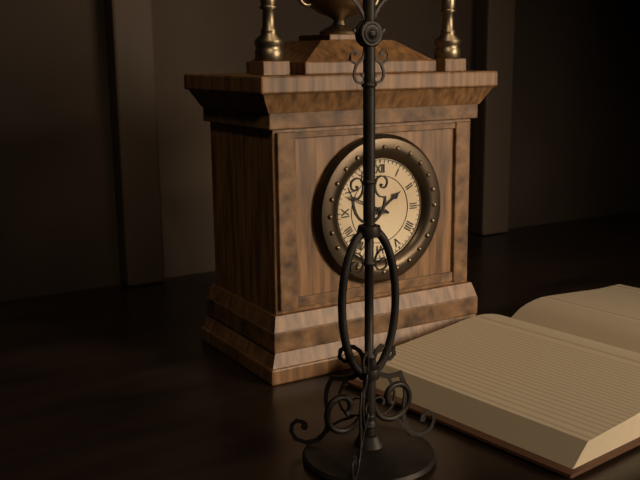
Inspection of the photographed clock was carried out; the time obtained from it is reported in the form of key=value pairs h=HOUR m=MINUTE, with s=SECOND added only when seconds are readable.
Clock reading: h=1 m=49
